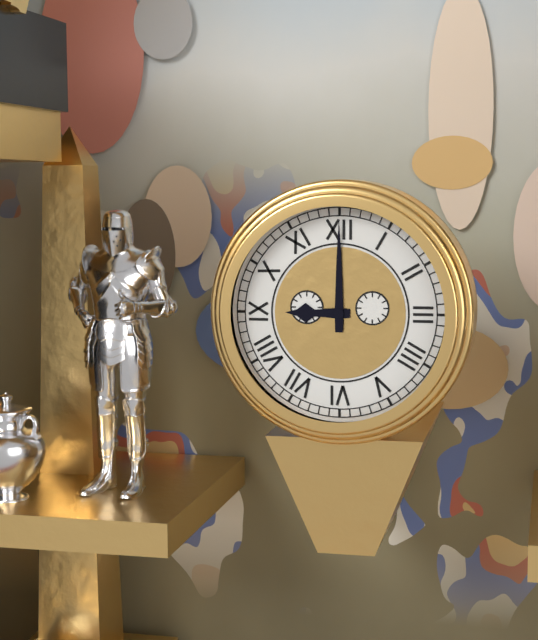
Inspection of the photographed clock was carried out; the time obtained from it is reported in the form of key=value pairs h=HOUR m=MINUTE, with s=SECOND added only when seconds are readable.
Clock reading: h=9 m=0
